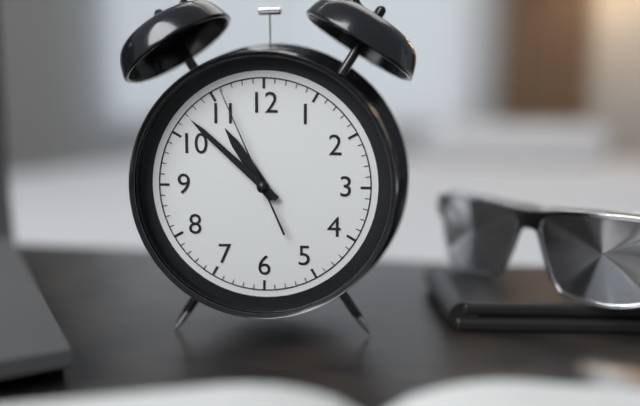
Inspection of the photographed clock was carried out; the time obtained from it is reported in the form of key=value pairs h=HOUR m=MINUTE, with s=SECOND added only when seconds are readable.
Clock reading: h=10 m=52 s=56
